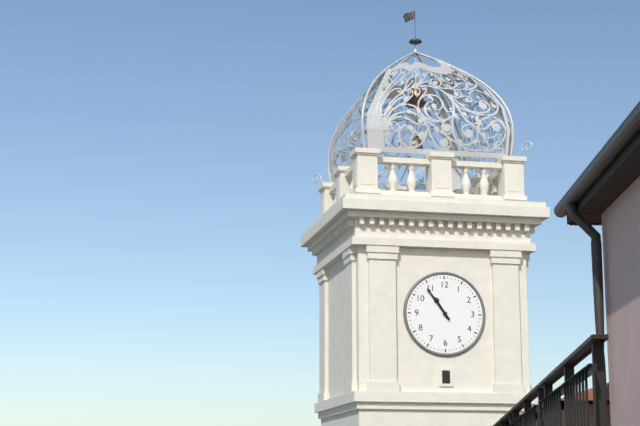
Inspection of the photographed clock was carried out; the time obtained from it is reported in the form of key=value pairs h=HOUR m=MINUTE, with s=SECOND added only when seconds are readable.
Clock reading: h=10 m=54
